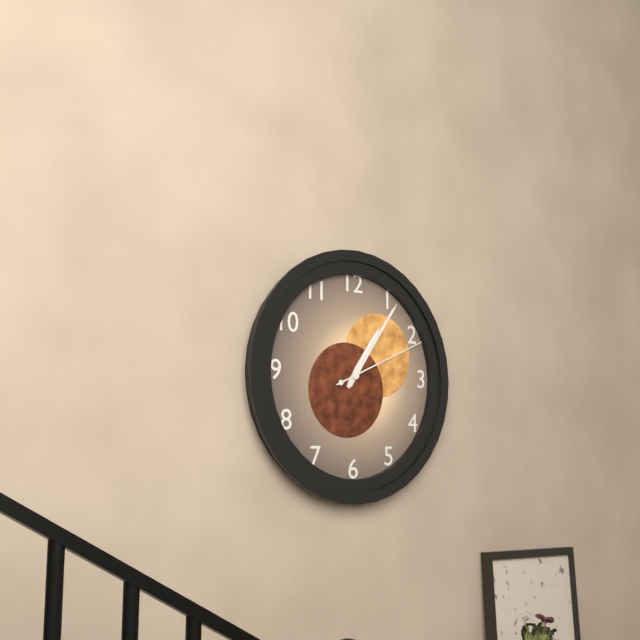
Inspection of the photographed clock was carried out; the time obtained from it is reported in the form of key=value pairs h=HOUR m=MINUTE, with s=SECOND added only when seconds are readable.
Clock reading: h=1 m=6 s=11
